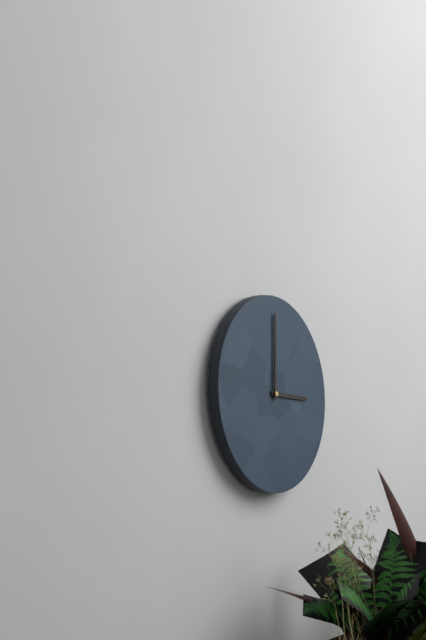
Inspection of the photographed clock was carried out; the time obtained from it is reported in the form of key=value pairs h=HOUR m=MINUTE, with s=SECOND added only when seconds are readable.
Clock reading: h=3 m=0
